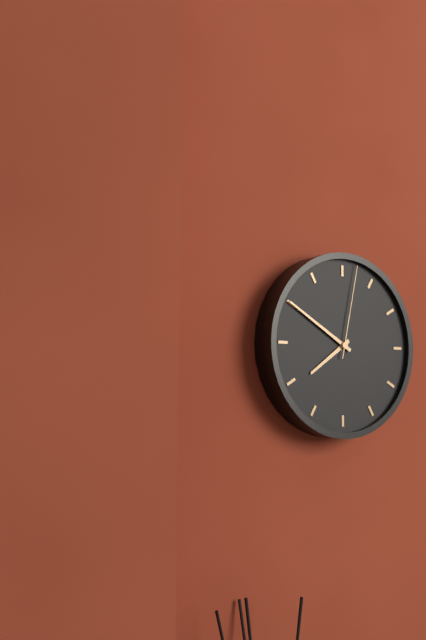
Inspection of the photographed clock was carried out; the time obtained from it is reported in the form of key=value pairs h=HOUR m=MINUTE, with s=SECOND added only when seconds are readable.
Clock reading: h=7 m=50 s=2
